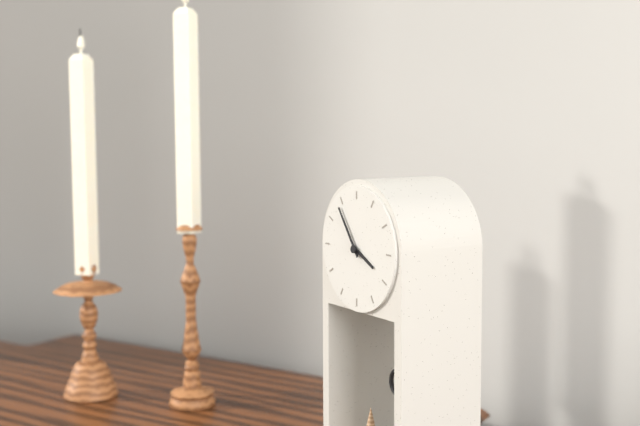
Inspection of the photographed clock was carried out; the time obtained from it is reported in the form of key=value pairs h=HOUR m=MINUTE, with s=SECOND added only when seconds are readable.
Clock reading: h=3 m=54
